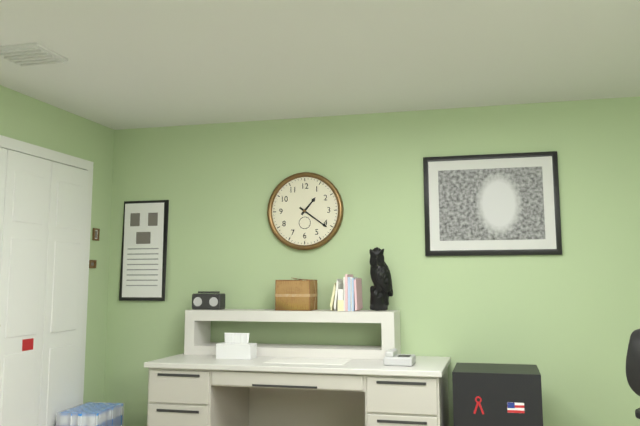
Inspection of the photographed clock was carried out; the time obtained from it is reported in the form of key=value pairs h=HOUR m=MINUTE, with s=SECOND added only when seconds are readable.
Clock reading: h=1 m=21
